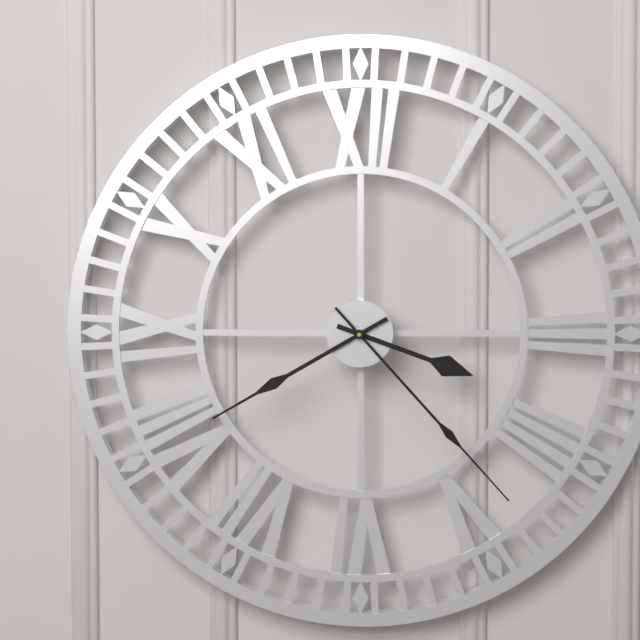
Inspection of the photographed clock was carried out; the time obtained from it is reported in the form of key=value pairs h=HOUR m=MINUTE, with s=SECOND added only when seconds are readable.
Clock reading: h=3 m=40 s=23
